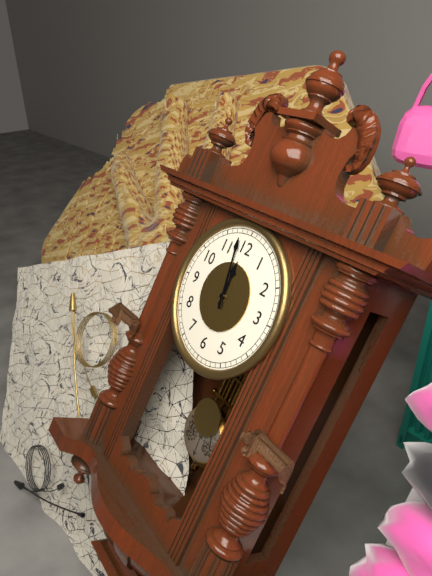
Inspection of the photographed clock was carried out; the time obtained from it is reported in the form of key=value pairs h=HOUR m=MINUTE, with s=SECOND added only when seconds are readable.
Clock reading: h=11 m=58
